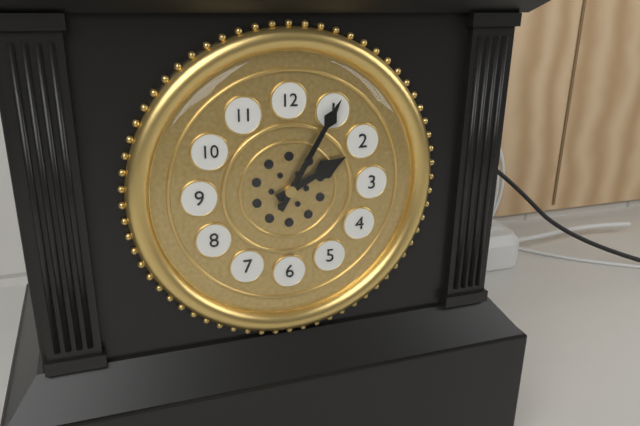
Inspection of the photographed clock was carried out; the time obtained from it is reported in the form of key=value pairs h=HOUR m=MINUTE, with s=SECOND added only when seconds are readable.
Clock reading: h=2 m=5
